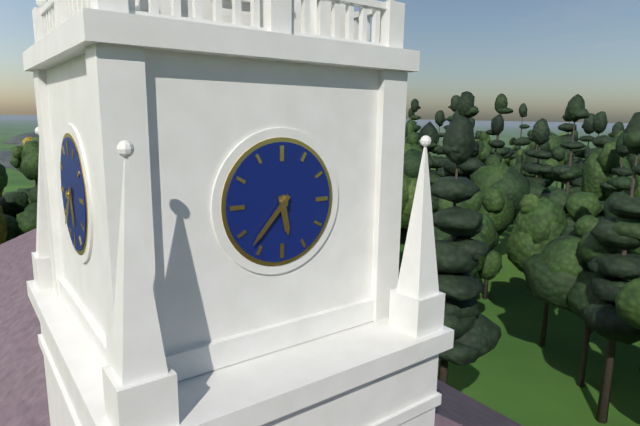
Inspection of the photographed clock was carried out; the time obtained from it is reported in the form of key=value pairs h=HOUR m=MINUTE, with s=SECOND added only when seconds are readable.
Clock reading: h=5 m=37
